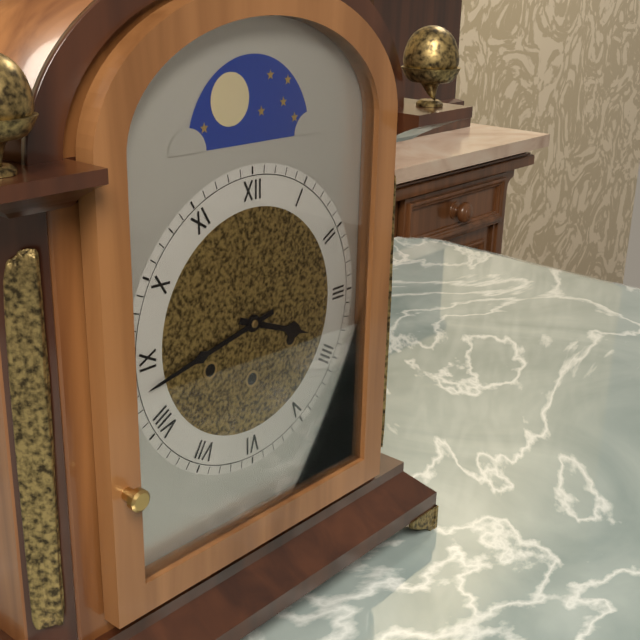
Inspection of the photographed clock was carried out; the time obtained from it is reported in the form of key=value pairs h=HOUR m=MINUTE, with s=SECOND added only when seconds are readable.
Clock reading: h=3 m=43
